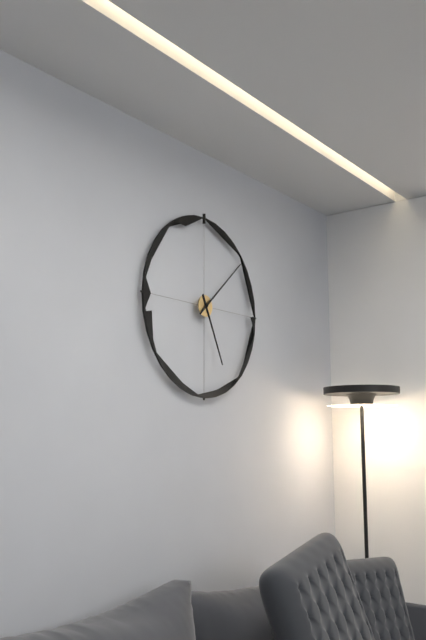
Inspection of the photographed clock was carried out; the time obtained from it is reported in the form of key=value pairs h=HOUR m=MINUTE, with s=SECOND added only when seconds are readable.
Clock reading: h=5 m=8
